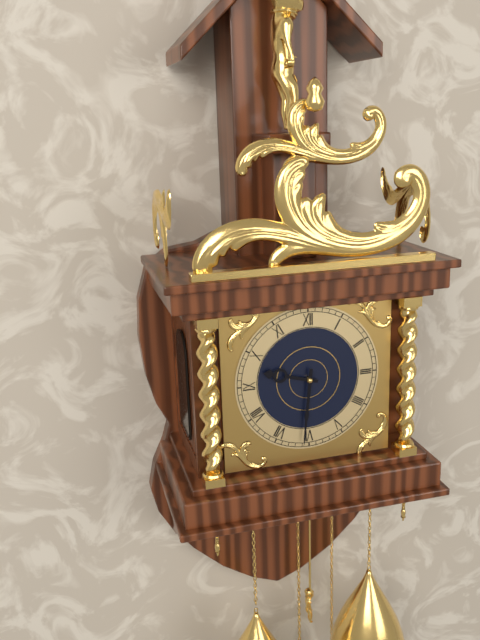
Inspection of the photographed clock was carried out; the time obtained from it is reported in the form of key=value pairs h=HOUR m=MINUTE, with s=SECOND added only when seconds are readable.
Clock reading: h=9 m=31
